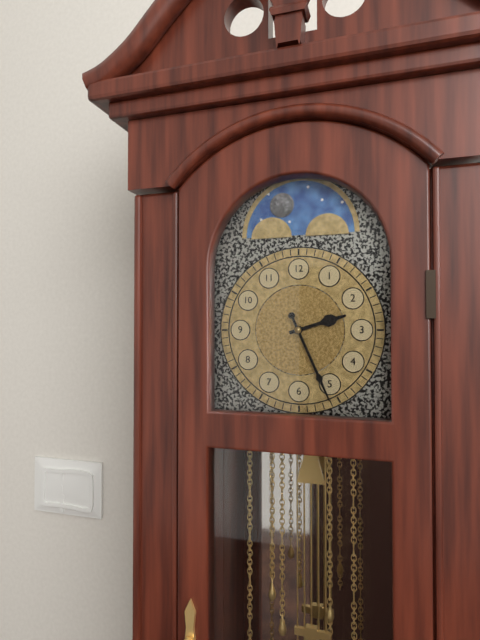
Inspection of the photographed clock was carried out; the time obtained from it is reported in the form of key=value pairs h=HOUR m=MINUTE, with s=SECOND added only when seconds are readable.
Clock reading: h=2 m=26
